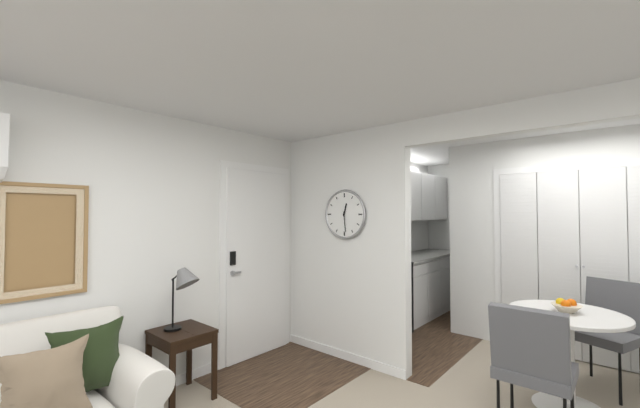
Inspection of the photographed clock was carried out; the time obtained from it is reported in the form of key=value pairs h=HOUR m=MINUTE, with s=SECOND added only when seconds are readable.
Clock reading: h=12 m=29
